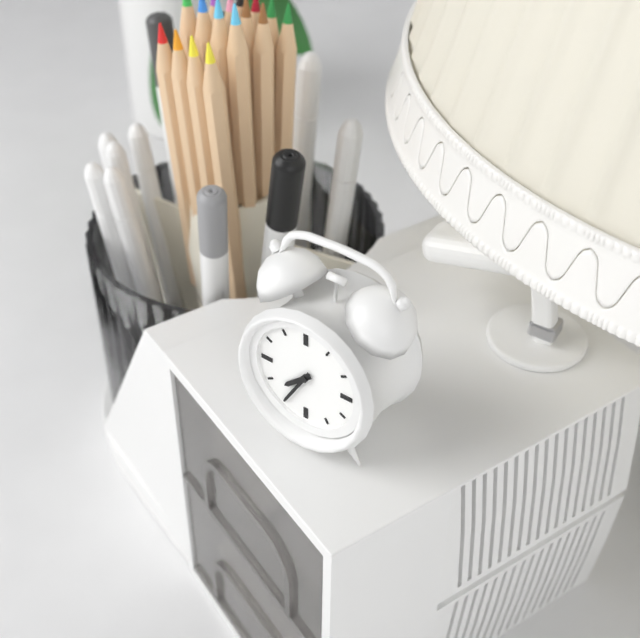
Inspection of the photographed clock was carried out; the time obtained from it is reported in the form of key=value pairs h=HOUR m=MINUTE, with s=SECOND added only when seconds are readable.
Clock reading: h=7 m=35
